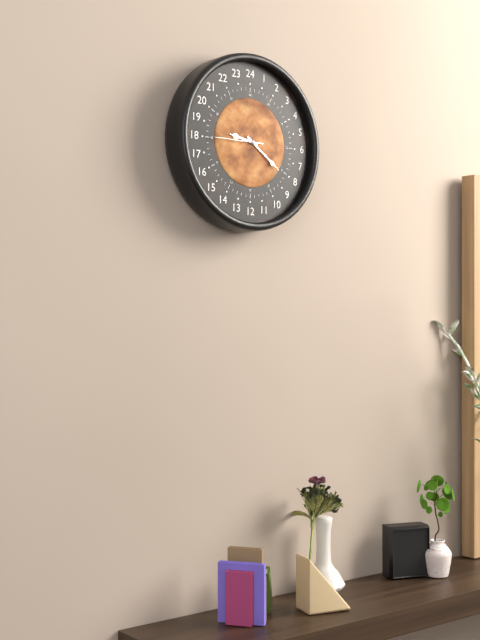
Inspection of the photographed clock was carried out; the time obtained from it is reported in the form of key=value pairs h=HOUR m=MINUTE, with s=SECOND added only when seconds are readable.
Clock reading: h=9 m=21
